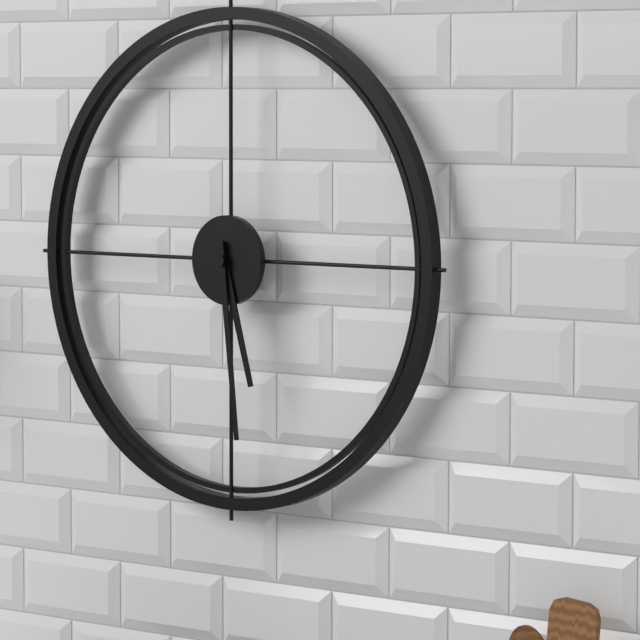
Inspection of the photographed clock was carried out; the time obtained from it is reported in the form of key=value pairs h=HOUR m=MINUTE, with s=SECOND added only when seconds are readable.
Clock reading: h=5 m=29
